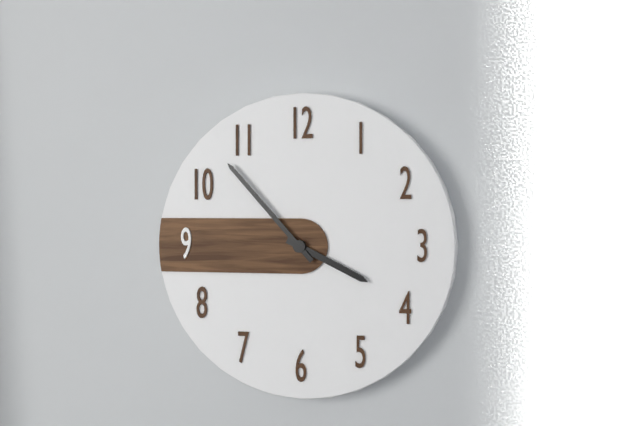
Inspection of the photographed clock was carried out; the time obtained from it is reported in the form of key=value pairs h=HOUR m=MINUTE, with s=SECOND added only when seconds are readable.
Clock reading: h=3 m=53
